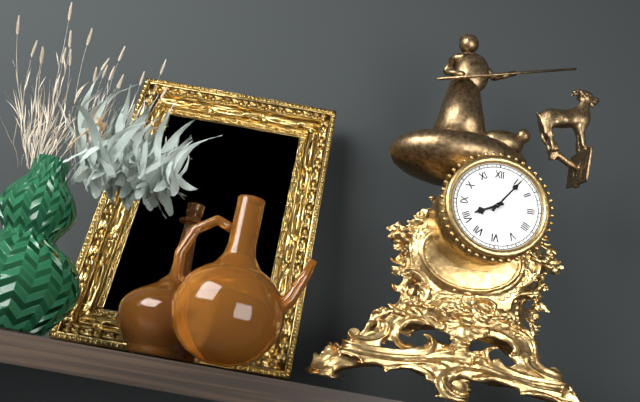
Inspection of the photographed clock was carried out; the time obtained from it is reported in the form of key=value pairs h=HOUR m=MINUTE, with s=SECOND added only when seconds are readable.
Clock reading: h=8 m=6
